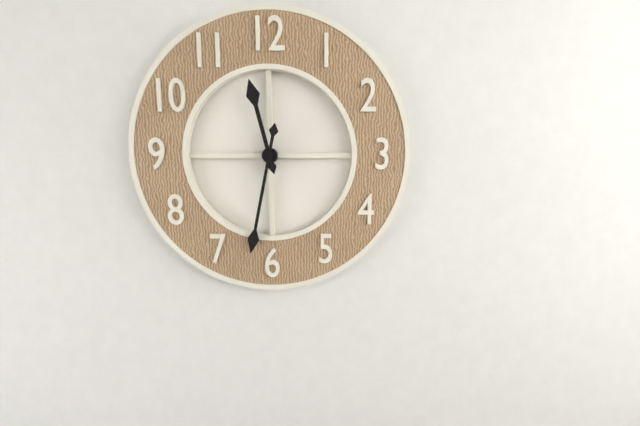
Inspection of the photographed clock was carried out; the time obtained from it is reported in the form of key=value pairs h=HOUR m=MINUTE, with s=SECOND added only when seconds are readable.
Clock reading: h=11 m=32
